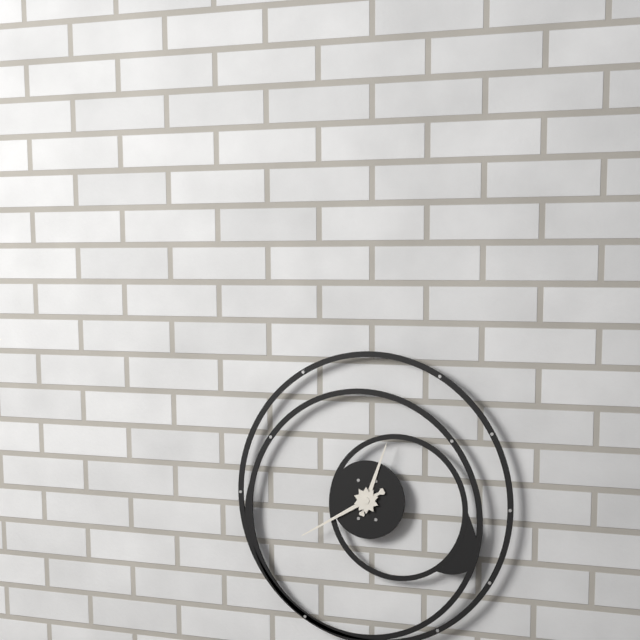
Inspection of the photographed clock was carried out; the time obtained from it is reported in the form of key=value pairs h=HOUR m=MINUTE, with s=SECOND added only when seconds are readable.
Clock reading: h=12 m=40
